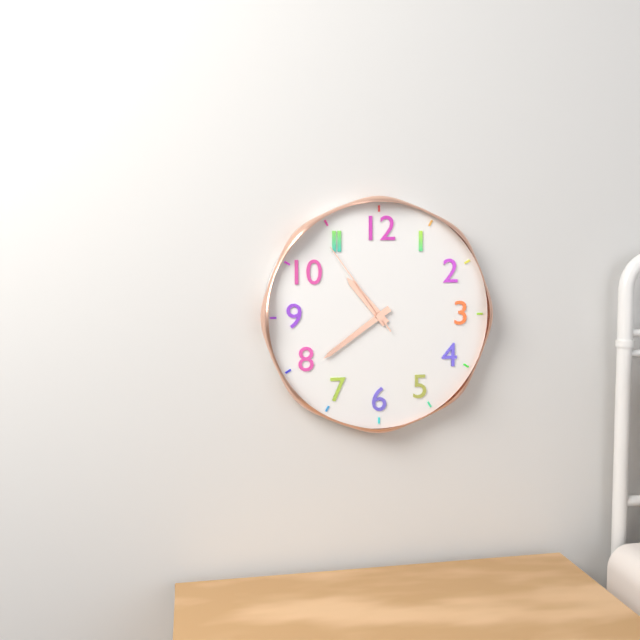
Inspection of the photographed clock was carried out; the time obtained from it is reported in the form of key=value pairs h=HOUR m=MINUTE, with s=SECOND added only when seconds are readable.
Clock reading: h=10 m=39 s=54
